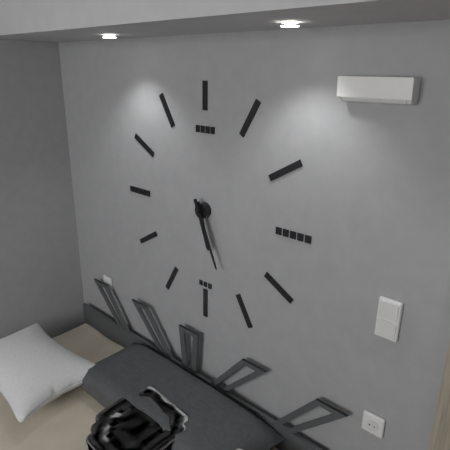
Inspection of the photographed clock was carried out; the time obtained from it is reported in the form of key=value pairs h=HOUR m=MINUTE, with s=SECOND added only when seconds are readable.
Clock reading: h=5 m=26
